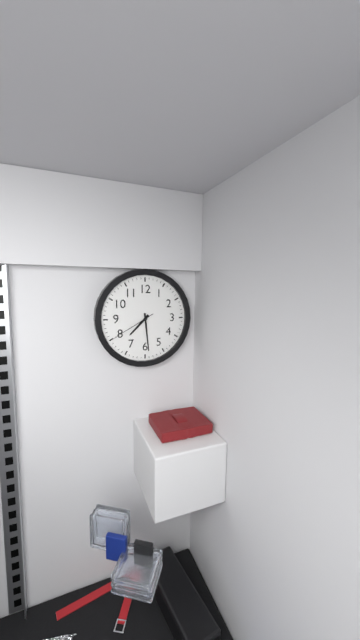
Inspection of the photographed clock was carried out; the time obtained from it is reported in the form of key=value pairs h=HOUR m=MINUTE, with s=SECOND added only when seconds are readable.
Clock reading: h=7 m=29
